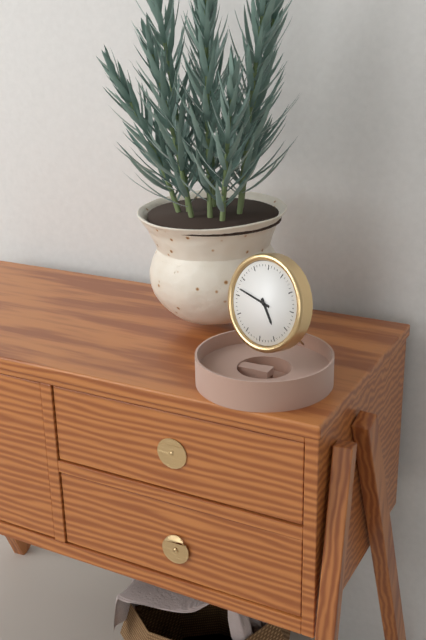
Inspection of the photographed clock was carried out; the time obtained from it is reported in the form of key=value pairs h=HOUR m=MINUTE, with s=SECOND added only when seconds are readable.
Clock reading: h=4 m=47
